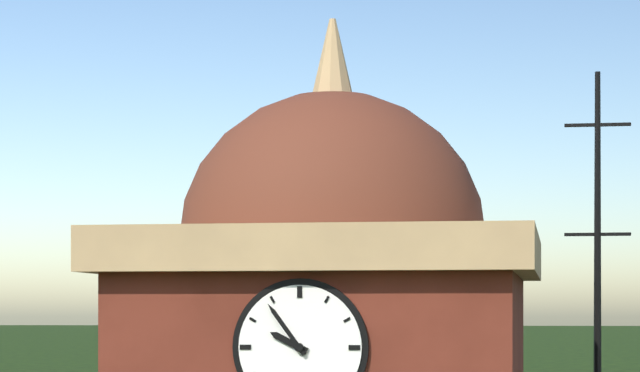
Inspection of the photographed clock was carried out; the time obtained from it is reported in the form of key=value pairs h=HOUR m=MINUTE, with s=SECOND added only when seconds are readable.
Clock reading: h=9 m=54
